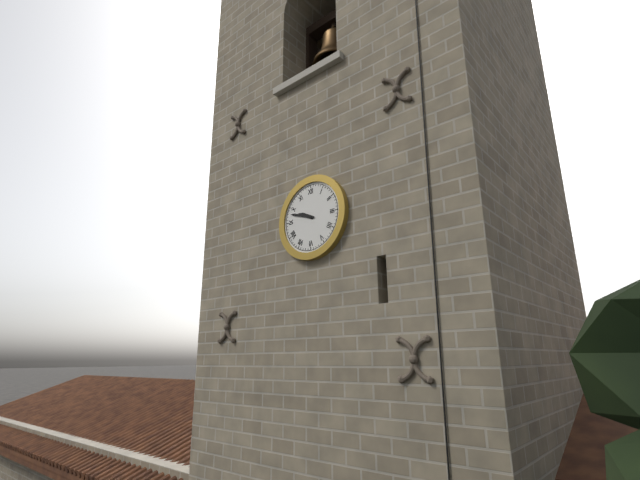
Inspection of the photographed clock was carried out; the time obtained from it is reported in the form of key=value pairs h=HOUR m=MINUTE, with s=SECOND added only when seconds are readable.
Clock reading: h=9 m=48
